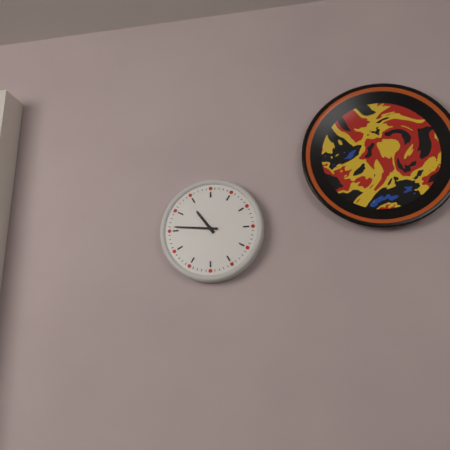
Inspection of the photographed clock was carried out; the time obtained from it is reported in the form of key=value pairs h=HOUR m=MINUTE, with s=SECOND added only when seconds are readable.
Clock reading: h=10 m=46
